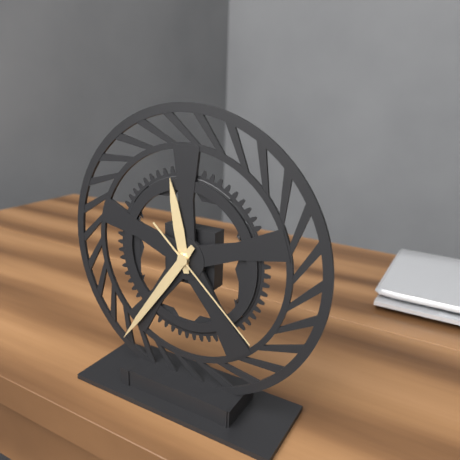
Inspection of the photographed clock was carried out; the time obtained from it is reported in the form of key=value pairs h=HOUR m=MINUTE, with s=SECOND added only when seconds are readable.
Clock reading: h=11 m=36 s=22
